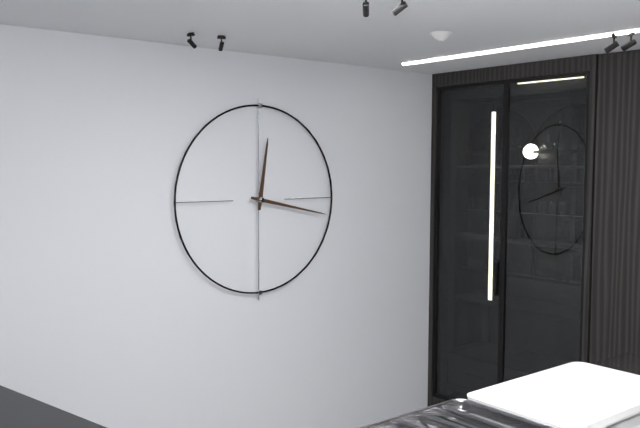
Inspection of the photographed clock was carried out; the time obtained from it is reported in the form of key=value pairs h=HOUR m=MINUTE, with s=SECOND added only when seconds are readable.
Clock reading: h=12 m=17
